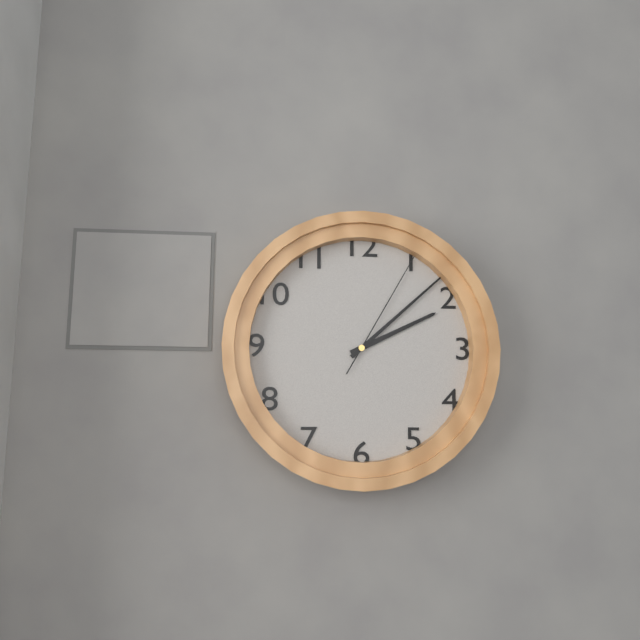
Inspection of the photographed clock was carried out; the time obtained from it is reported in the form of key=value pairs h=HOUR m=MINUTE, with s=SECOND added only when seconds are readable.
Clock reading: h=2 m=8 s=5
